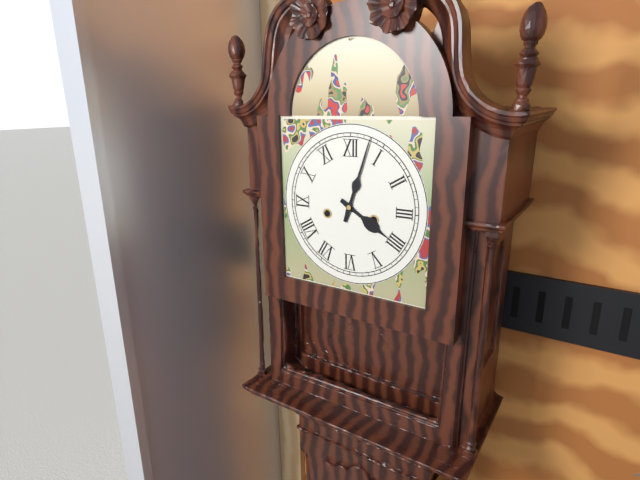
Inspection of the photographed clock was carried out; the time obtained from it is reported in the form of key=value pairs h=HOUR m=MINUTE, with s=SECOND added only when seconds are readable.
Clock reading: h=4 m=3
